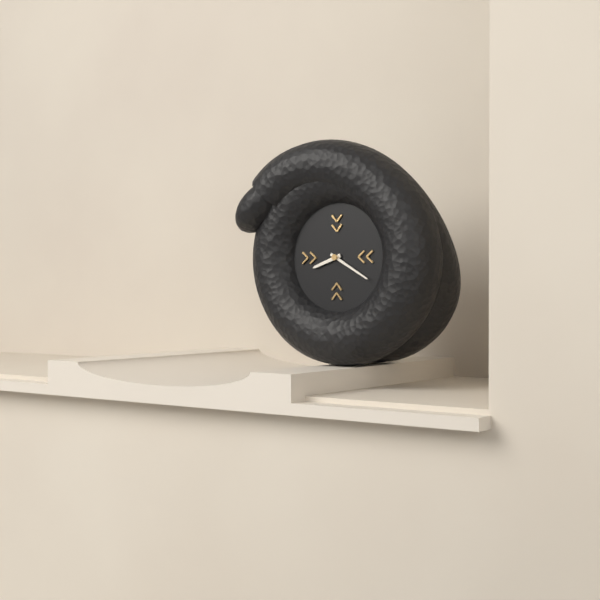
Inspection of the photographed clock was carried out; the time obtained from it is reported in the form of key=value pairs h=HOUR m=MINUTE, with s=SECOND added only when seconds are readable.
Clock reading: h=8 m=20
